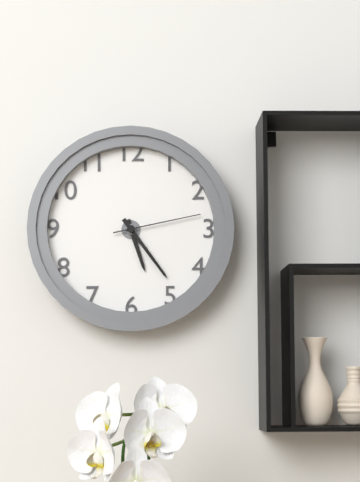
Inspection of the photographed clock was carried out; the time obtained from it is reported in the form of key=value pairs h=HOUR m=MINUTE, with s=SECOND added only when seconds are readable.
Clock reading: h=5 m=24 s=13
